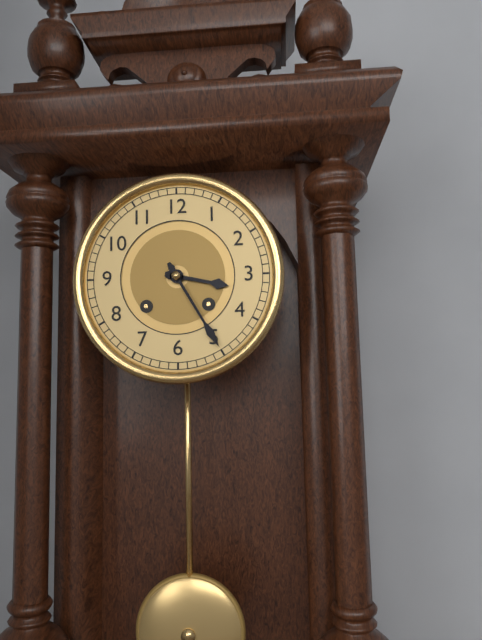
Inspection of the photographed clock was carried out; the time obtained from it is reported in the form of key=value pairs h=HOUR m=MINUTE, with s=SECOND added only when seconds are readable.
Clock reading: h=3 m=25
